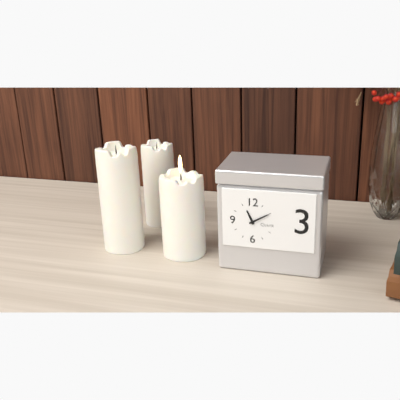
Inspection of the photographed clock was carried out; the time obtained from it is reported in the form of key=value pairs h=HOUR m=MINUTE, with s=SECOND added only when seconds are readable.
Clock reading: h=11 m=10
